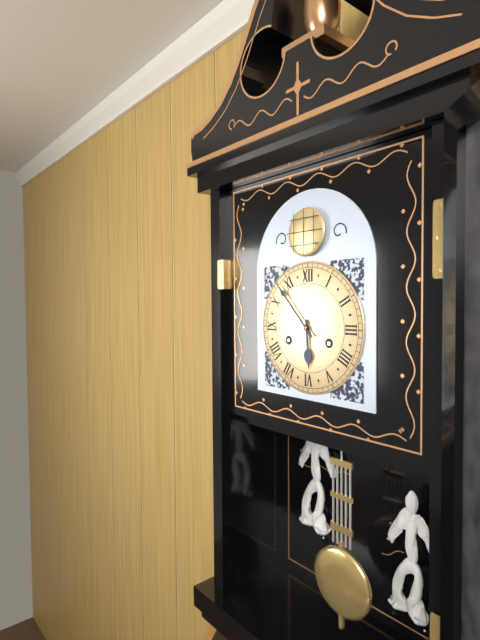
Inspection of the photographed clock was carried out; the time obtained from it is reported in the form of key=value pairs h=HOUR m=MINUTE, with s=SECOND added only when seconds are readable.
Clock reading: h=5 m=53
